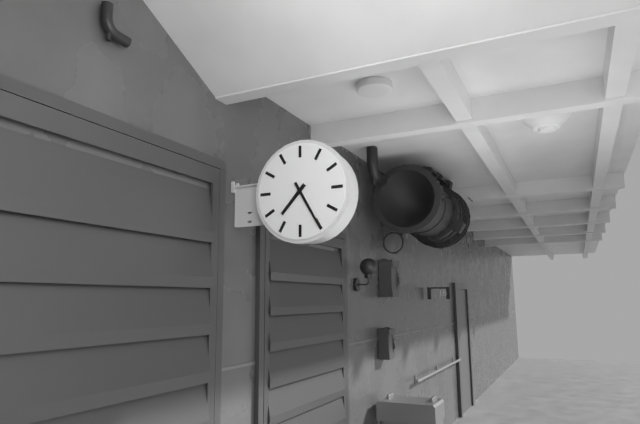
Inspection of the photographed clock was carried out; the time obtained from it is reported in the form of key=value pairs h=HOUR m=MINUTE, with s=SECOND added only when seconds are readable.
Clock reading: h=7 m=25
